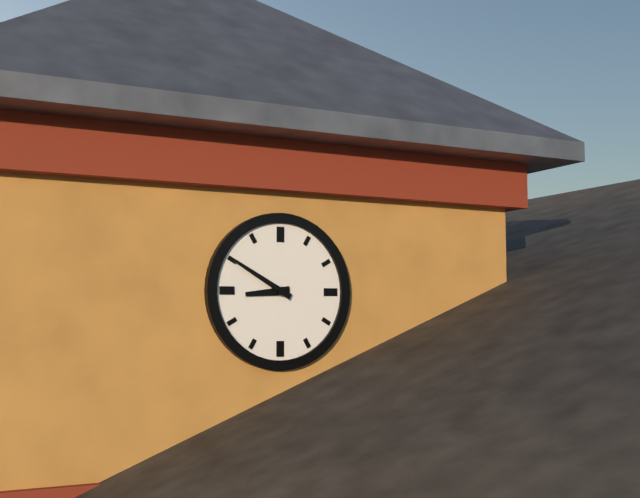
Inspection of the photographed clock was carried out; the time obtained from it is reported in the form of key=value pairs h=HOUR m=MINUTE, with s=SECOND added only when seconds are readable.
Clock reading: h=8 m=50
